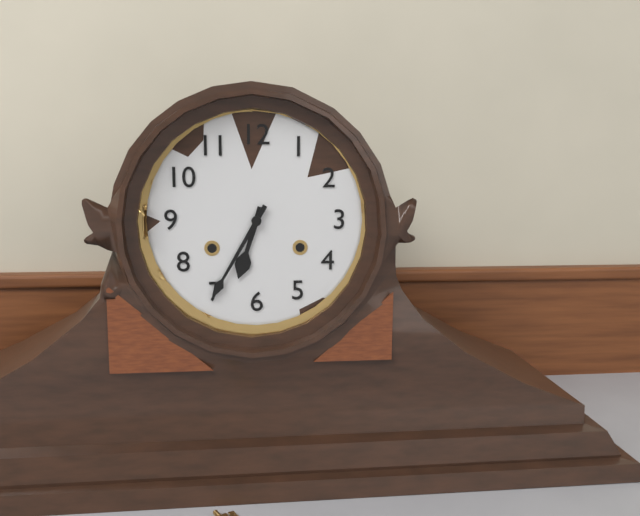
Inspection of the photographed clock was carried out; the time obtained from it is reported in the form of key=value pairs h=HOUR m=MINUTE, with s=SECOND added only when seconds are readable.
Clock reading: h=6 m=35
